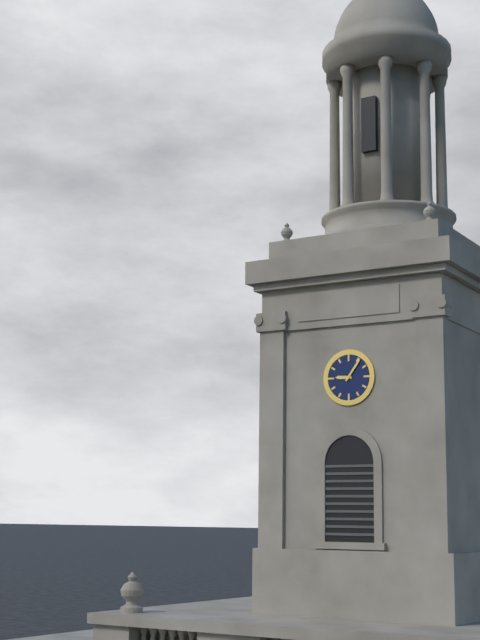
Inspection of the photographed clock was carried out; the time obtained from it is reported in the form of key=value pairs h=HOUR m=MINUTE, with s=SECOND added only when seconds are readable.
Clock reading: h=9 m=6
